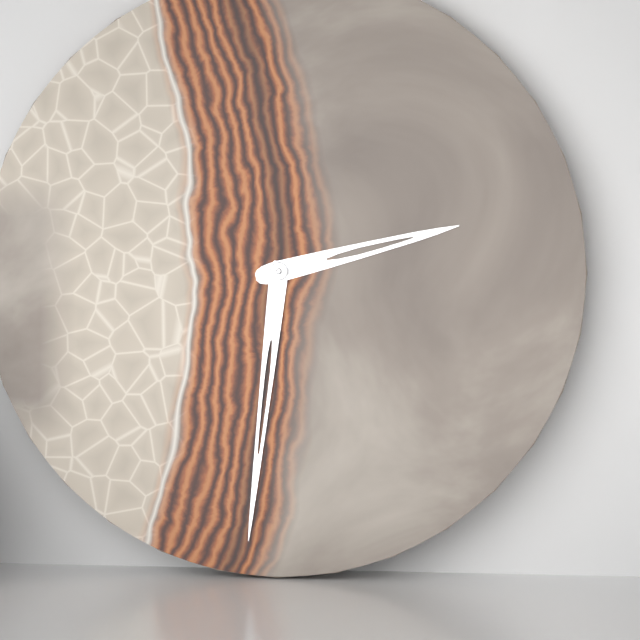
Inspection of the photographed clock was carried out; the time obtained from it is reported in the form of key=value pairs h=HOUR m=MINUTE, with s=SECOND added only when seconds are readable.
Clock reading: h=2 m=31
